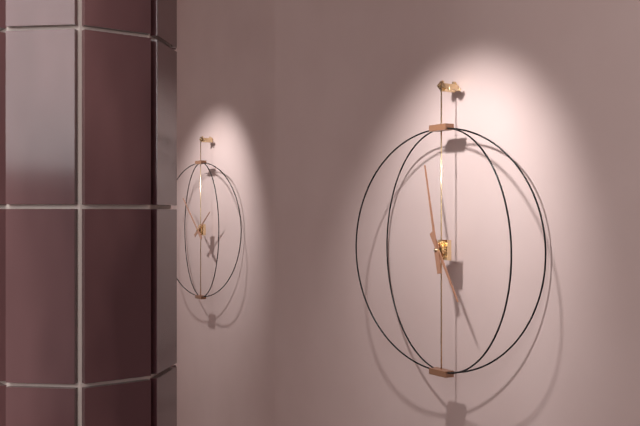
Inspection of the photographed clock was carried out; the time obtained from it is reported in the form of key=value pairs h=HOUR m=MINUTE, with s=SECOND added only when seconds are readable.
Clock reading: h=4 m=58
